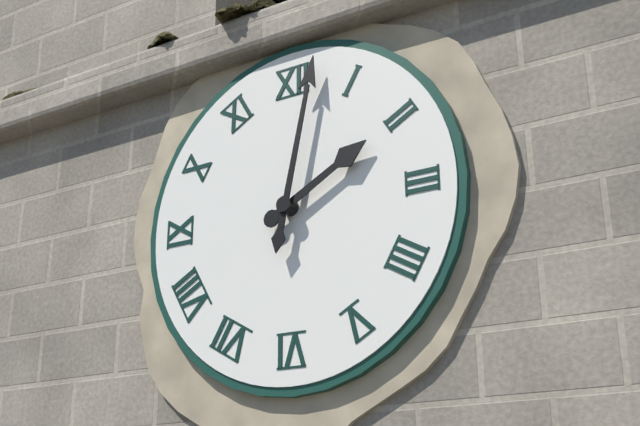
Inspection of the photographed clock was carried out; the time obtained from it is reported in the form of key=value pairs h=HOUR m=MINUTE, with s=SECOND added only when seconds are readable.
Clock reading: h=2 m=2
